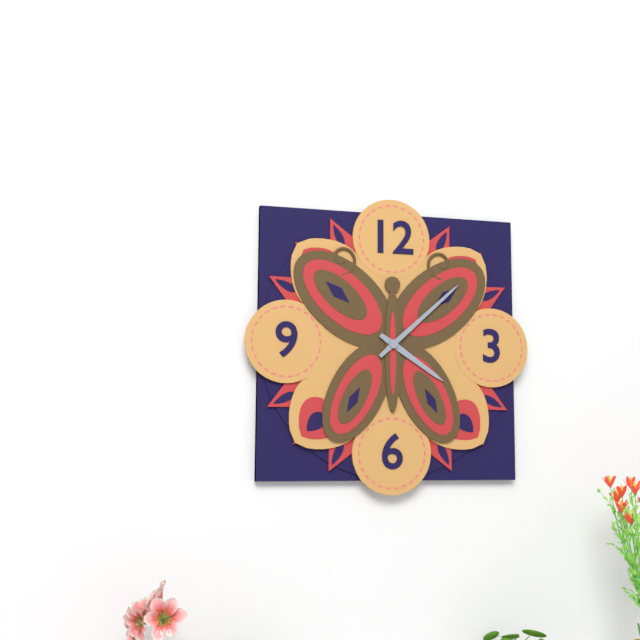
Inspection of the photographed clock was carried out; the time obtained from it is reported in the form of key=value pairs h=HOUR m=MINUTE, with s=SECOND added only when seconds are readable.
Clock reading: h=4 m=8
